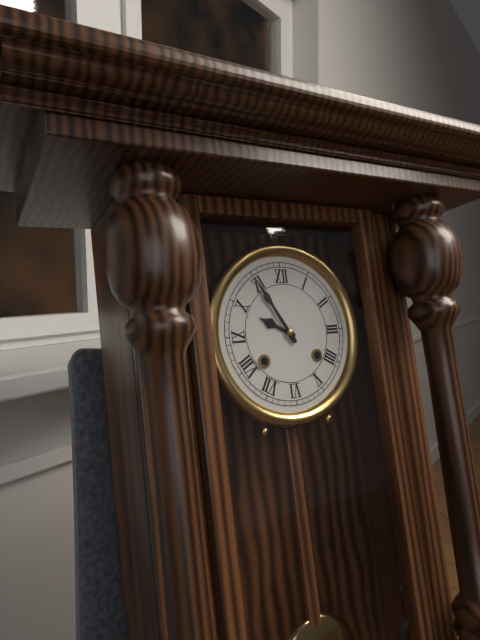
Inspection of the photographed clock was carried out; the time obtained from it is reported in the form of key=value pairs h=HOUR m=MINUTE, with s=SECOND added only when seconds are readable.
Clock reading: h=9 m=55
